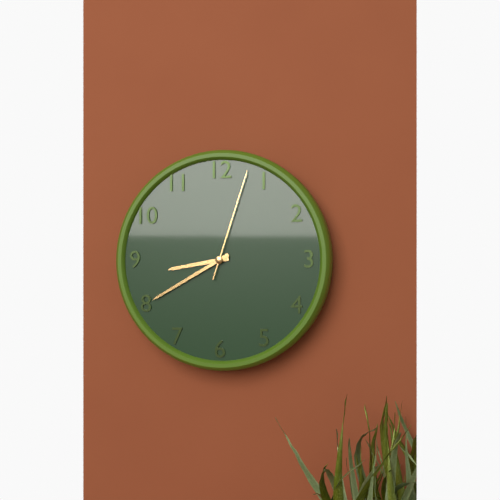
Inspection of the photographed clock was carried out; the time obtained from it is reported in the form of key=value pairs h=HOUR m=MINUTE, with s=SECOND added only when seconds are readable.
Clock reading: h=8 m=40 s=3
